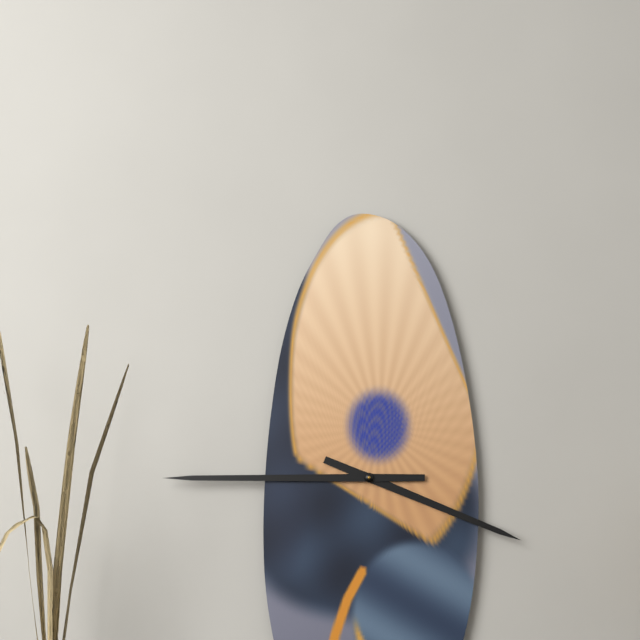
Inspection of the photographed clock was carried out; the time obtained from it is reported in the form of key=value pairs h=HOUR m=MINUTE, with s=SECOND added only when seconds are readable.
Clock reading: h=3 m=45
